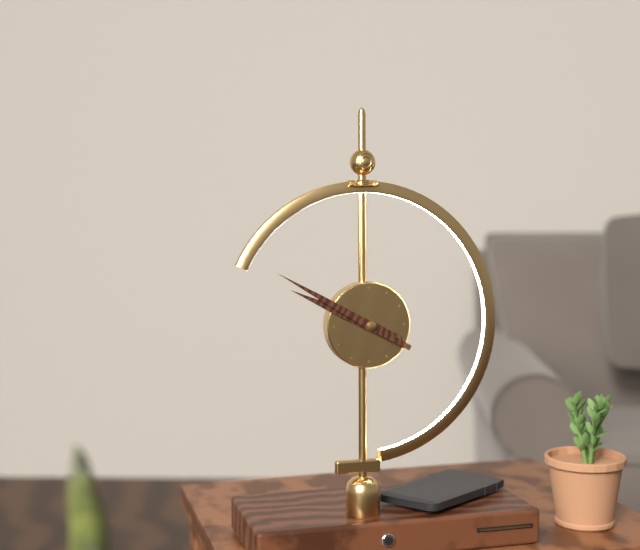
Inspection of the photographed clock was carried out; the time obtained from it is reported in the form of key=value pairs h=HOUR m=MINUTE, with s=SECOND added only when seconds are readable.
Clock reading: h=9 m=50
